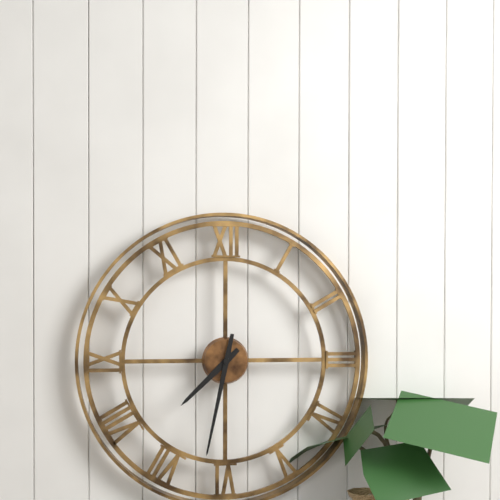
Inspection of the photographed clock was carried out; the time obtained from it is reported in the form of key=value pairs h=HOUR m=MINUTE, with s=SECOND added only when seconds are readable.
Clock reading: h=7 m=32
